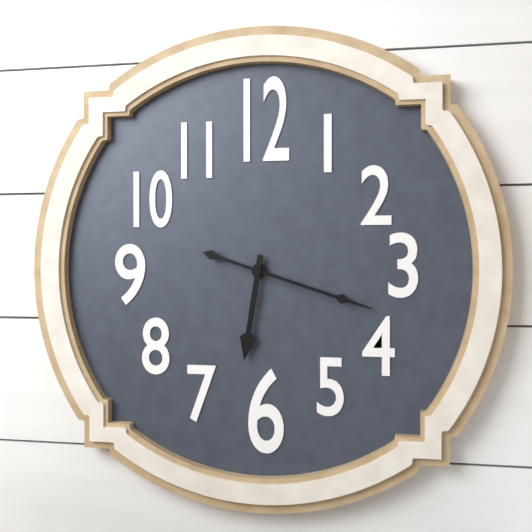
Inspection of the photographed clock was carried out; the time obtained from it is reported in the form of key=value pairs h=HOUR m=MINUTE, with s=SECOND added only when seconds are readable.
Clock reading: h=6 m=18
